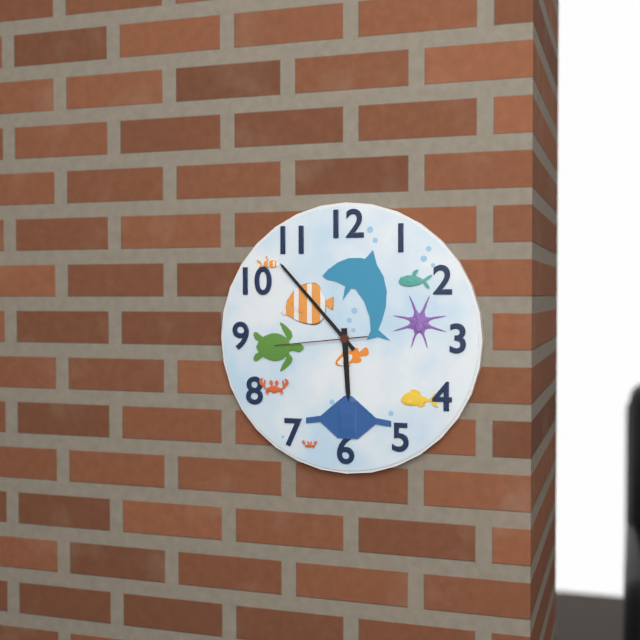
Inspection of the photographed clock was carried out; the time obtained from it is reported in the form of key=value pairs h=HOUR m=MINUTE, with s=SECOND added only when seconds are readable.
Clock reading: h=5 m=53 s=44
